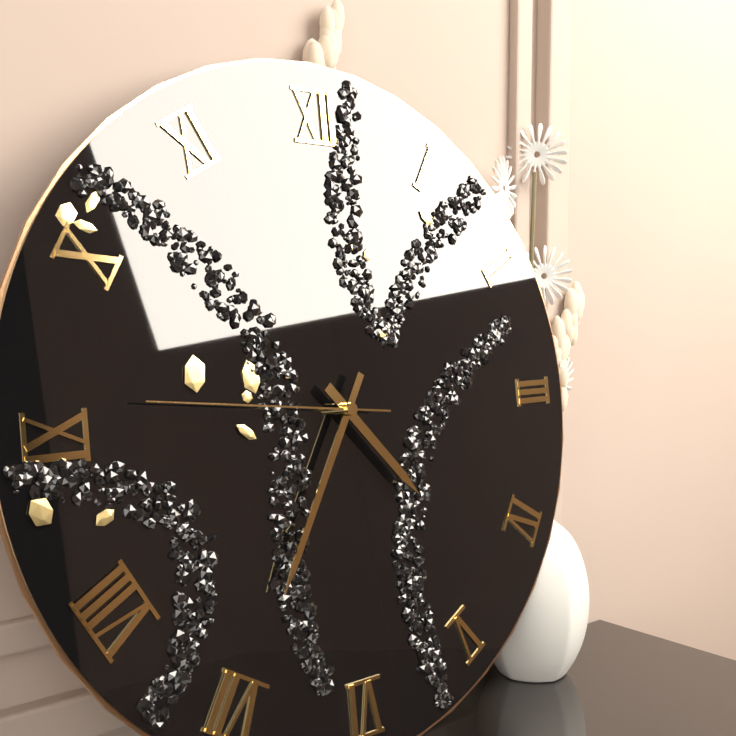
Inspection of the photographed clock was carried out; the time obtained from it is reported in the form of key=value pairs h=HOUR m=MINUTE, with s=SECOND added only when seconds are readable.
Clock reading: h=4 m=35 s=46
